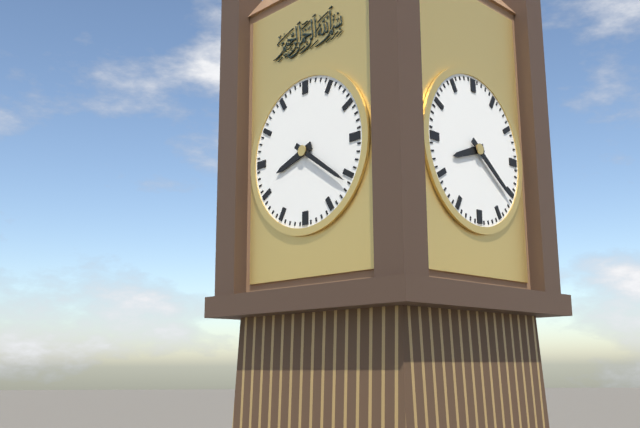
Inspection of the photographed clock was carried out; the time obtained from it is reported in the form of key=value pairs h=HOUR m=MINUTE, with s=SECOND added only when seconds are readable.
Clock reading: h=8 m=21
